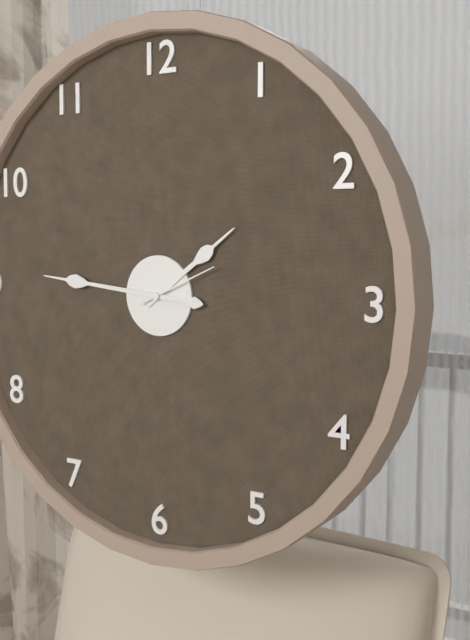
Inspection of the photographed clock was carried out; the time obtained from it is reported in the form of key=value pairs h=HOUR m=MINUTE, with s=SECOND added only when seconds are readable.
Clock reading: h=1 m=46 s=11
